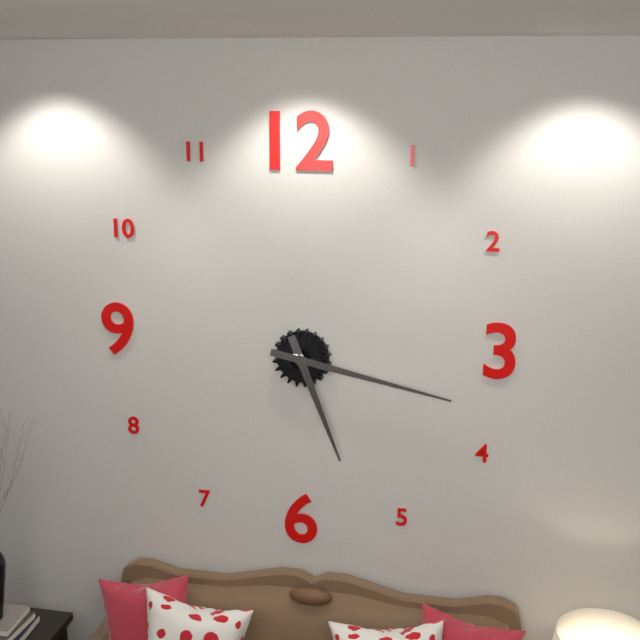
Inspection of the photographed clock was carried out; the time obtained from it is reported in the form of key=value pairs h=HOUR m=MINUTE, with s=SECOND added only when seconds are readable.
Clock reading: h=5 m=17
